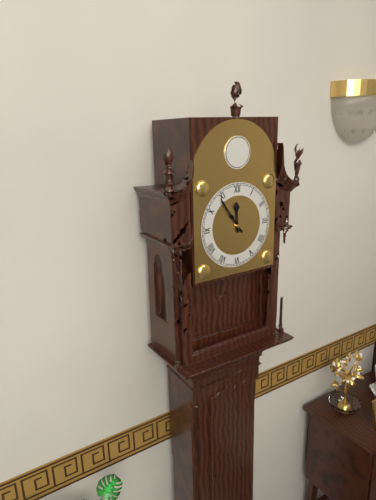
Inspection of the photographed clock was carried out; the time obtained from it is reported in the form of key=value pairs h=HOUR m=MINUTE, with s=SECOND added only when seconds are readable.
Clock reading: h=11 m=54
